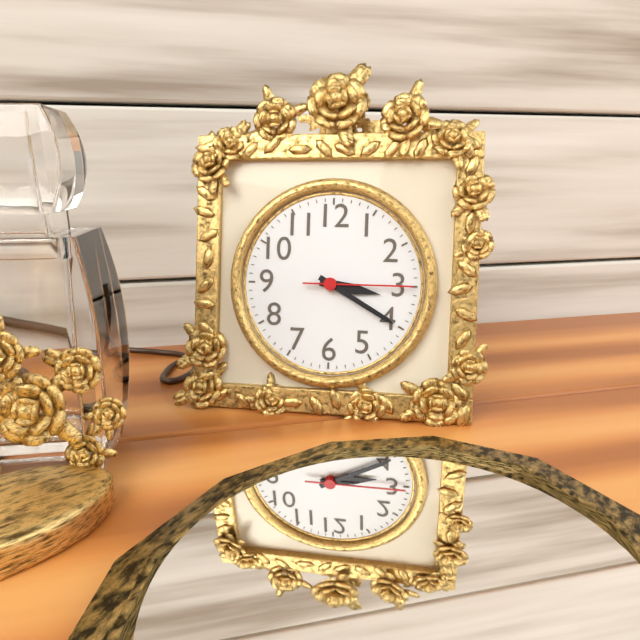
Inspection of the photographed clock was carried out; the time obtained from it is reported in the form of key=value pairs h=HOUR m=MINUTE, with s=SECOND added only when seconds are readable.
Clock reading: h=3 m=20 s=15
